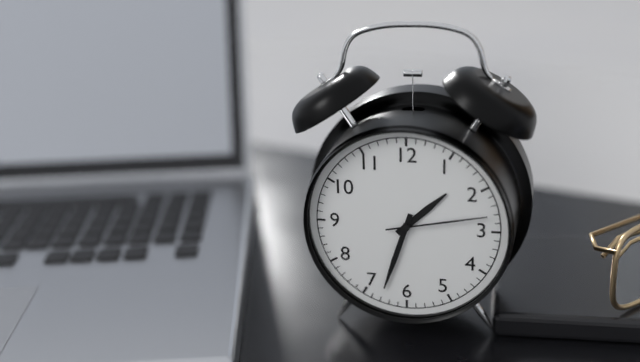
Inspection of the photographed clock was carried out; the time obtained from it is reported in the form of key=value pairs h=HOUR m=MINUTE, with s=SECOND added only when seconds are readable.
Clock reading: h=1 m=33 s=13
